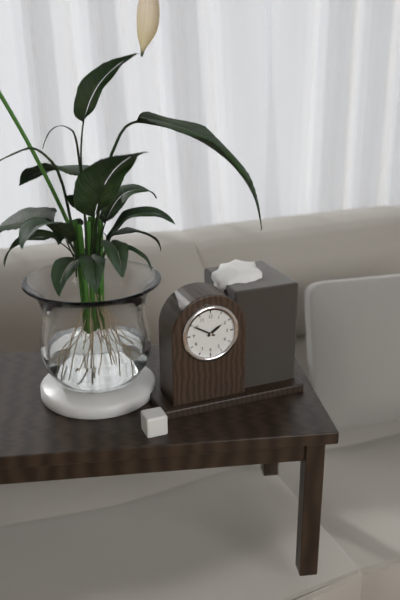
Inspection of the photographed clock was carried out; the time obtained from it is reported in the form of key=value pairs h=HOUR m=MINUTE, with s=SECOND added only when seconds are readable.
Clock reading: h=1 m=50
